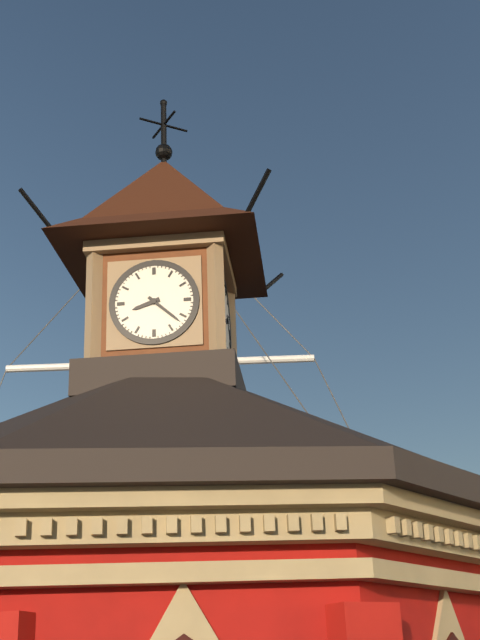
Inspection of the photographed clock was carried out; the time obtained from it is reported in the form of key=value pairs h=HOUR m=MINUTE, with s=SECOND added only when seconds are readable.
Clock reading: h=8 m=22
